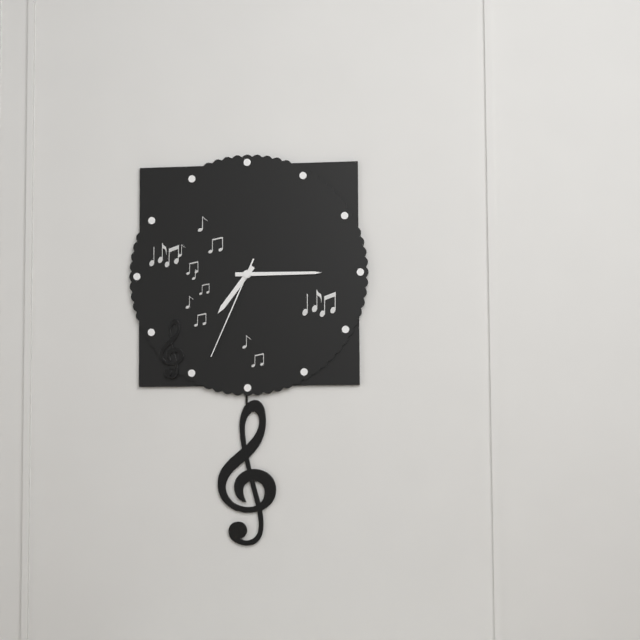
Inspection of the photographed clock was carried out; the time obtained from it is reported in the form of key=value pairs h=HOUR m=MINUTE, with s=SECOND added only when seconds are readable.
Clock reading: h=7 m=15 s=34
